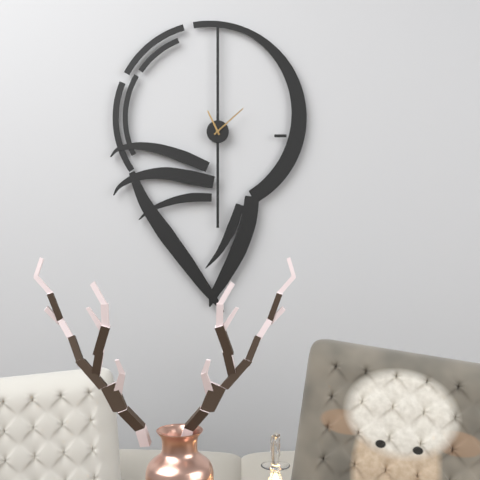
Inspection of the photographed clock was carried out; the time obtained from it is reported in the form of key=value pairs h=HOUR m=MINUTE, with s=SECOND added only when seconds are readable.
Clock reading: h=11 m=8
